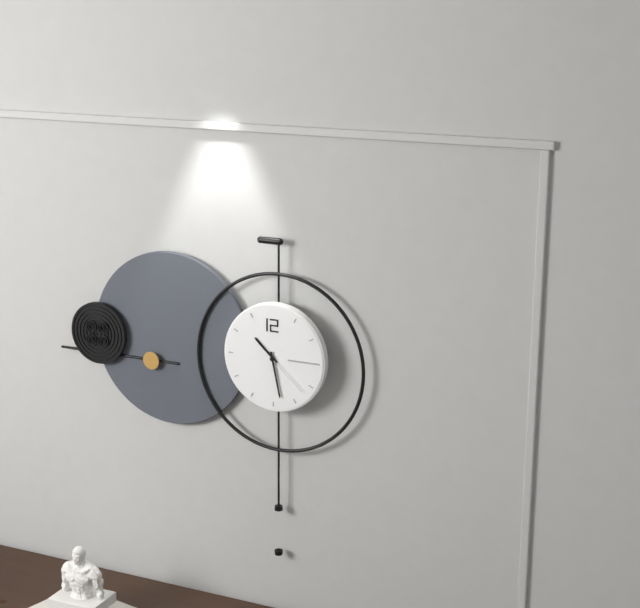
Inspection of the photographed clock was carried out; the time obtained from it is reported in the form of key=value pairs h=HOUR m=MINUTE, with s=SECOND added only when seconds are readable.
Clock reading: h=10 m=28 s=22
